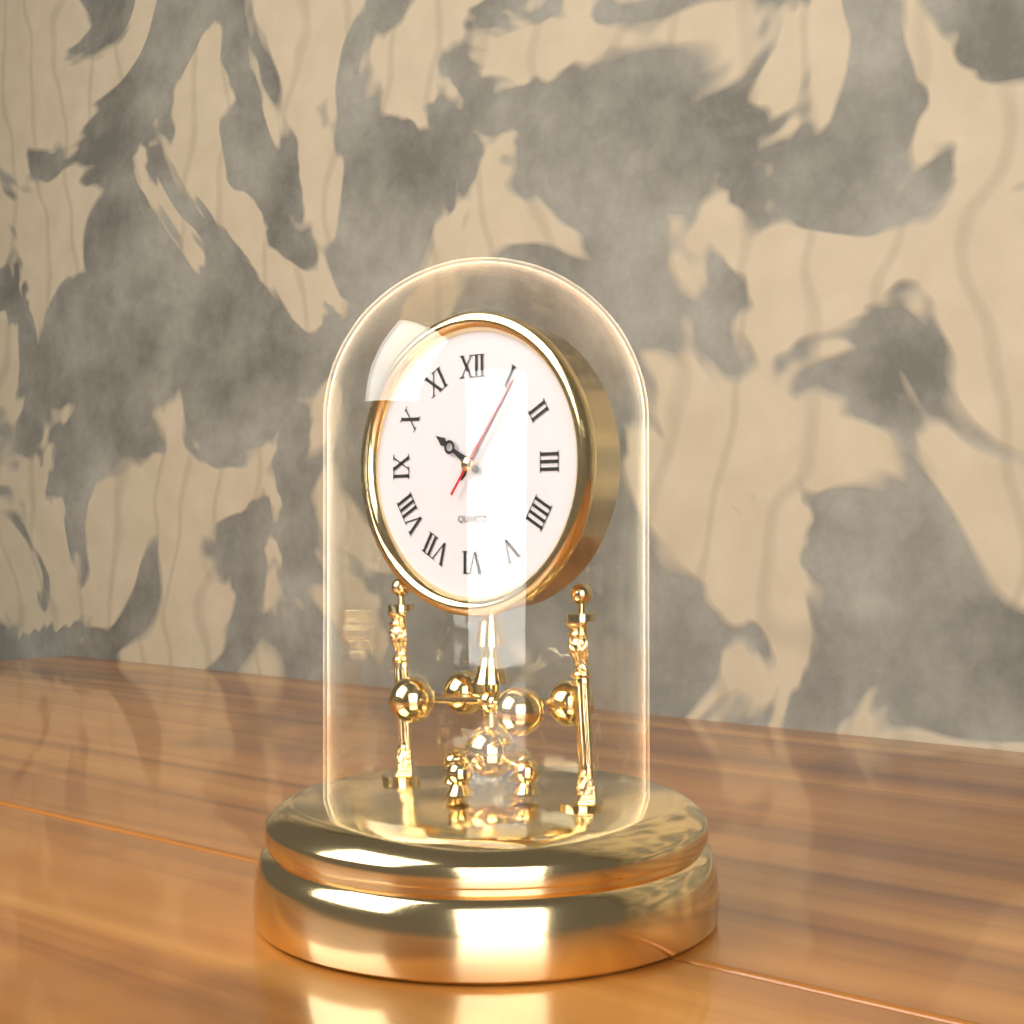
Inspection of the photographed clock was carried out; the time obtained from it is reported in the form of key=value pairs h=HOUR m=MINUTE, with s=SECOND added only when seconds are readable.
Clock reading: h=10 m=6 s=6
